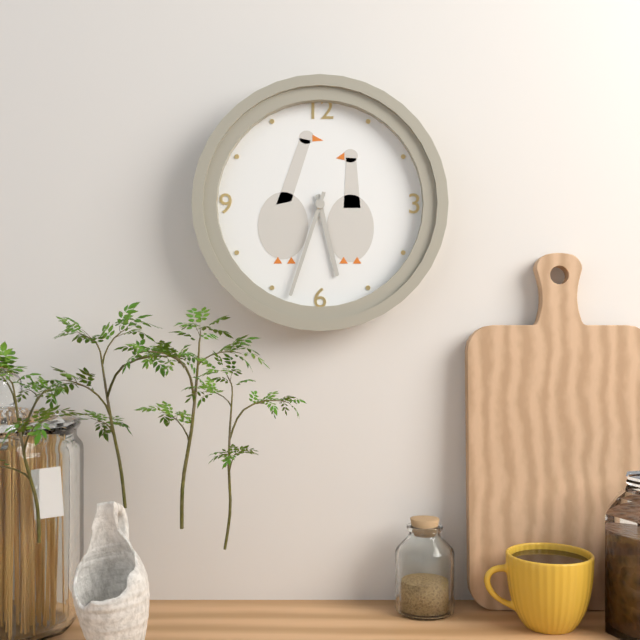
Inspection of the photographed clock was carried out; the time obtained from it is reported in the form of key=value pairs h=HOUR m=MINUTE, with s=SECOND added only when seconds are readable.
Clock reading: h=5 m=33
